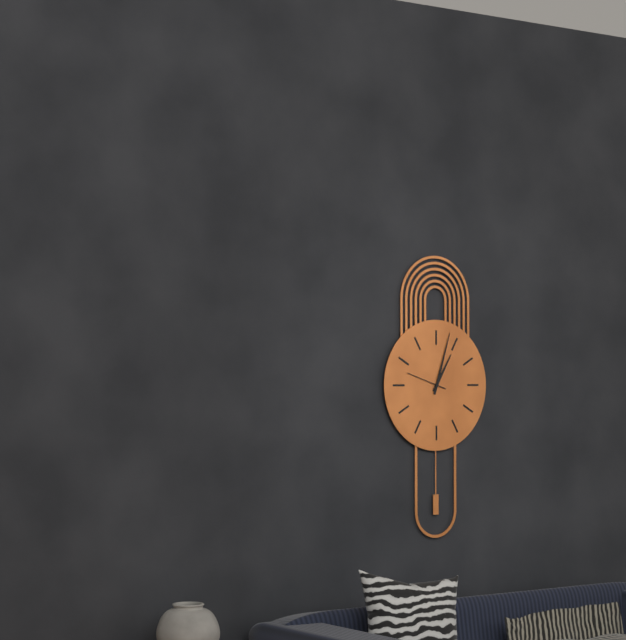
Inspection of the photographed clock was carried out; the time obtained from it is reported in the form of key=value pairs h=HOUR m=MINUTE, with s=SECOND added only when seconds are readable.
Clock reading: h=1 m=3
